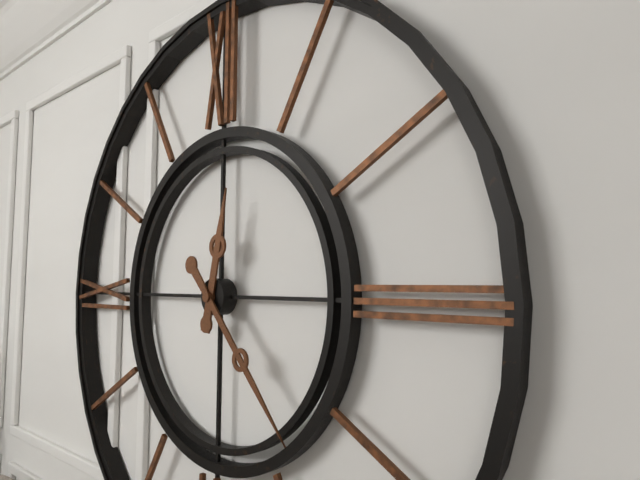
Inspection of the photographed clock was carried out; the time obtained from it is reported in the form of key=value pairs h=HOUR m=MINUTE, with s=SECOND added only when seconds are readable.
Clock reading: h=12 m=23
